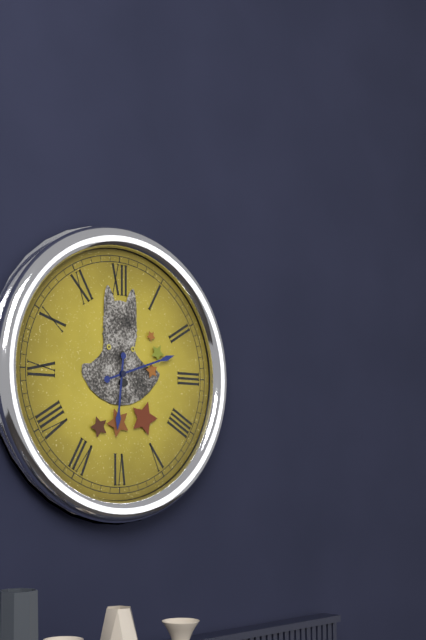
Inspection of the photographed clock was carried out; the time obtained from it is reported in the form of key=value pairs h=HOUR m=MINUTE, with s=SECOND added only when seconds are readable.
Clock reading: h=6 m=12
